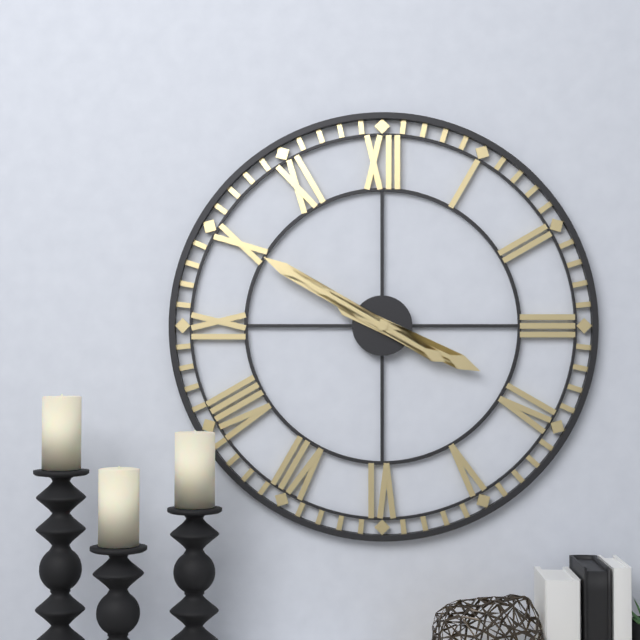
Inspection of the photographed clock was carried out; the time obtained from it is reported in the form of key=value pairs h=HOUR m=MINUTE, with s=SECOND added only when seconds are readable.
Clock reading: h=3 m=50
